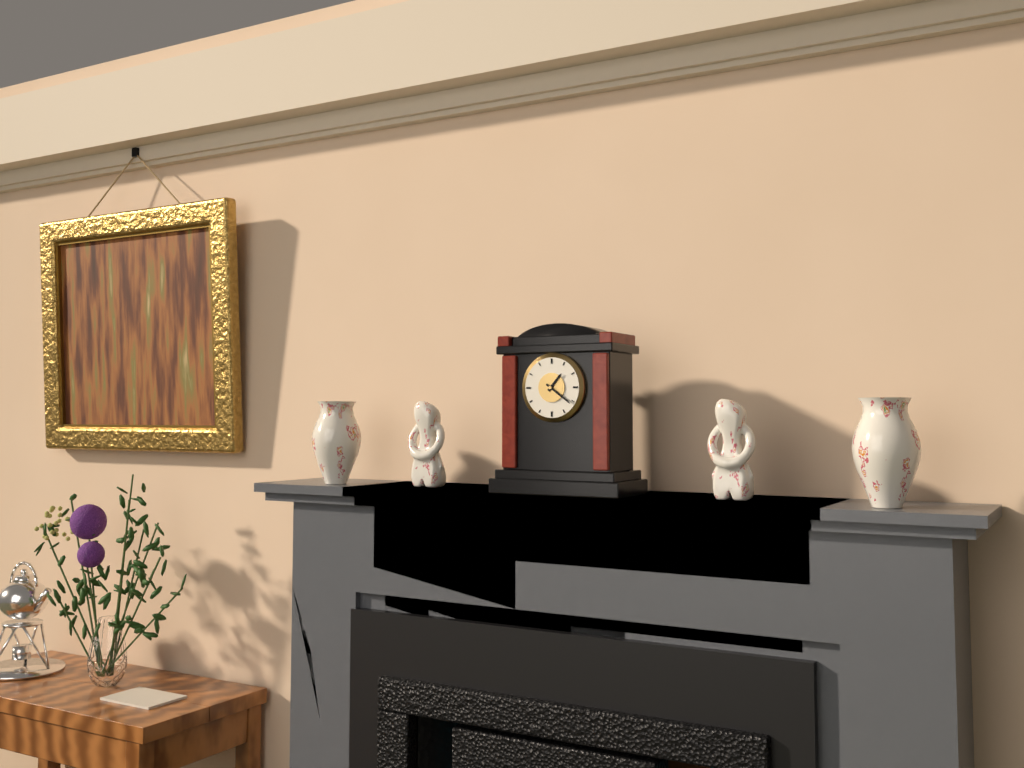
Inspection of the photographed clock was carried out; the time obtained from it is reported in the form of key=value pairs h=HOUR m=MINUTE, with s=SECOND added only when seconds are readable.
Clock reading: h=1 m=21
